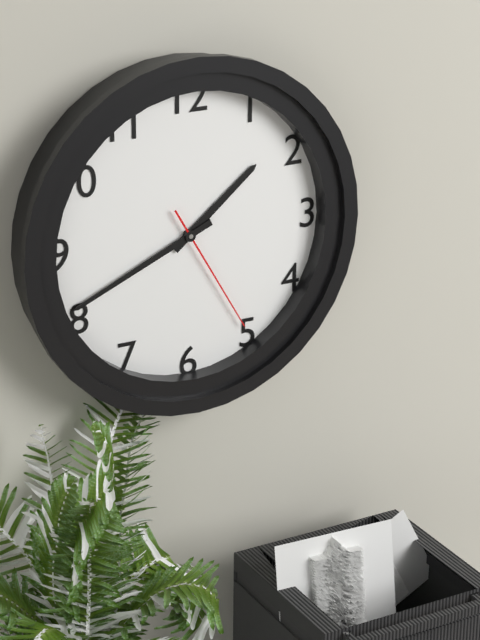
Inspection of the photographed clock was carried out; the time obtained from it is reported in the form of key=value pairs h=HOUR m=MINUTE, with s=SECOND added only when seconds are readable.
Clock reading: h=1 m=41 s=25
